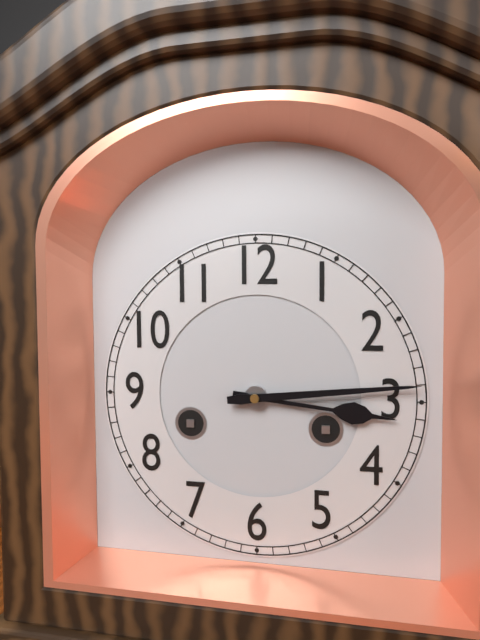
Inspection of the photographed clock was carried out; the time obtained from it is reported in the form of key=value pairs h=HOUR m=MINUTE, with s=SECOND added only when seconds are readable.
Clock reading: h=3 m=14
